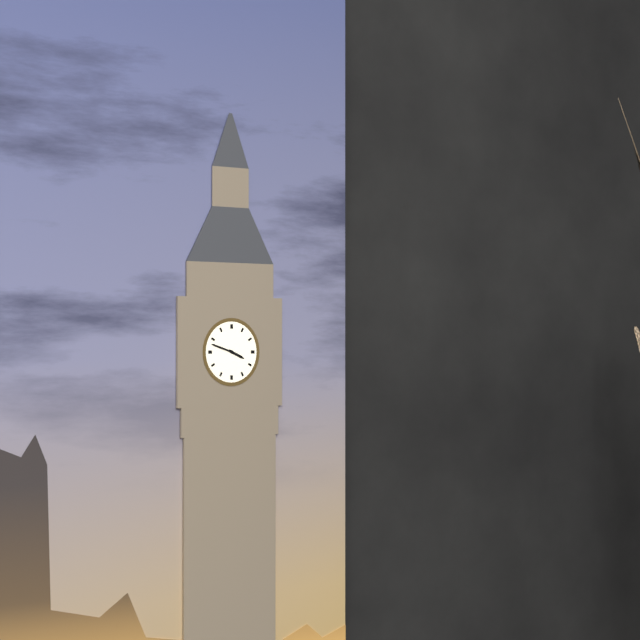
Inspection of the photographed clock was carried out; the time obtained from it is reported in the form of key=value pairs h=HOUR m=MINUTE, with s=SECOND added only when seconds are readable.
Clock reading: h=3 m=48
